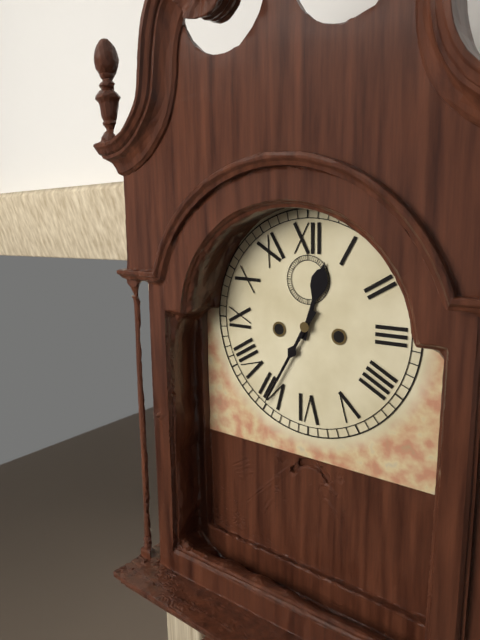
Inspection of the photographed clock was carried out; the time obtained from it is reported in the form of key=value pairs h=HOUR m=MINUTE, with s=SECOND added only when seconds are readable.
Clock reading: h=12 m=35
